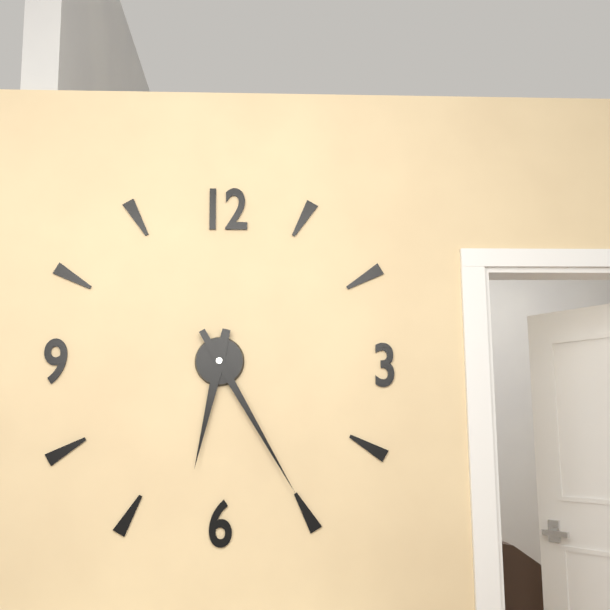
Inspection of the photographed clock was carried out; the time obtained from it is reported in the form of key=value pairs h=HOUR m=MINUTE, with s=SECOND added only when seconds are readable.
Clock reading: h=6 m=25
